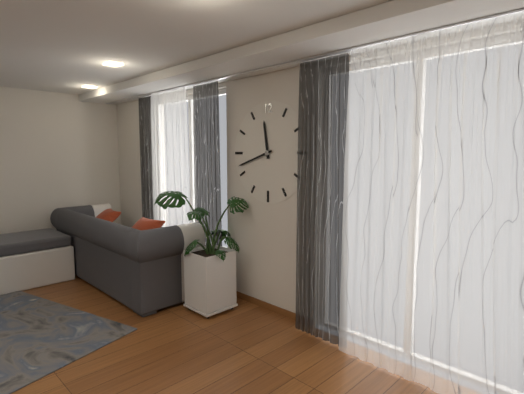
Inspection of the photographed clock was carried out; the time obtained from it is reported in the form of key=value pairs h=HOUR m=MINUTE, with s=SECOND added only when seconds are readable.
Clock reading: h=11 m=42
